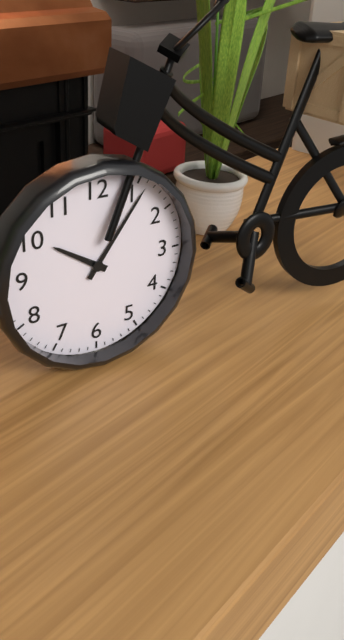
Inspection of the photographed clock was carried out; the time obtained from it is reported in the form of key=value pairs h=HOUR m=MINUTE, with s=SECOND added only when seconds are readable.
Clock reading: h=10 m=6
